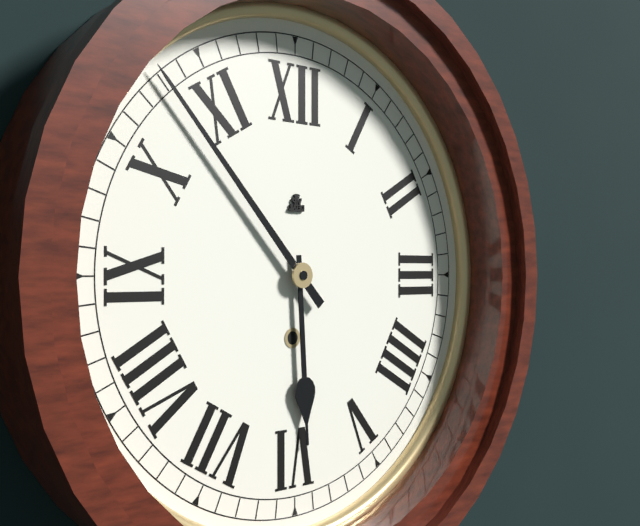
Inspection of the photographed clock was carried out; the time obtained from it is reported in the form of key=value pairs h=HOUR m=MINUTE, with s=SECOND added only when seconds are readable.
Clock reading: h=5 m=53
